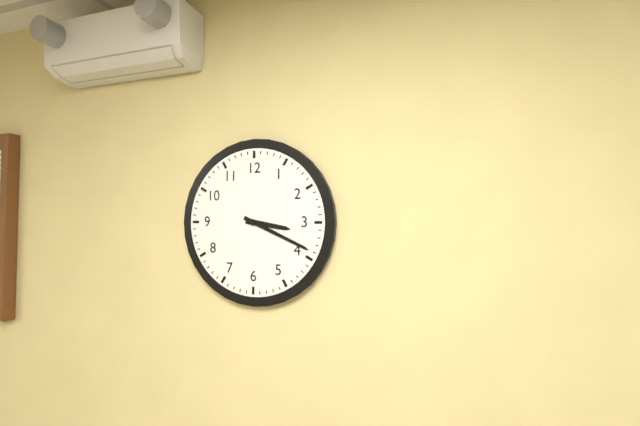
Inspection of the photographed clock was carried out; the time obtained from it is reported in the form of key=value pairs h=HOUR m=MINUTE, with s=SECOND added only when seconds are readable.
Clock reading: h=3 m=19
